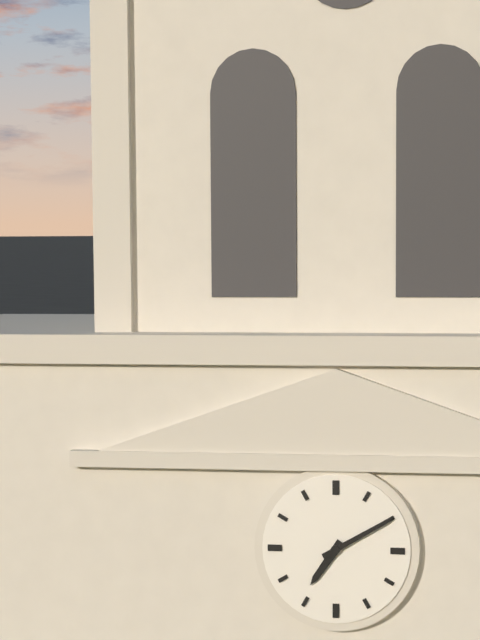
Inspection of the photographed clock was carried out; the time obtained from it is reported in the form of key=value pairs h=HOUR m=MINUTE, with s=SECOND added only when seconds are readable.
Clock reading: h=7 m=10
